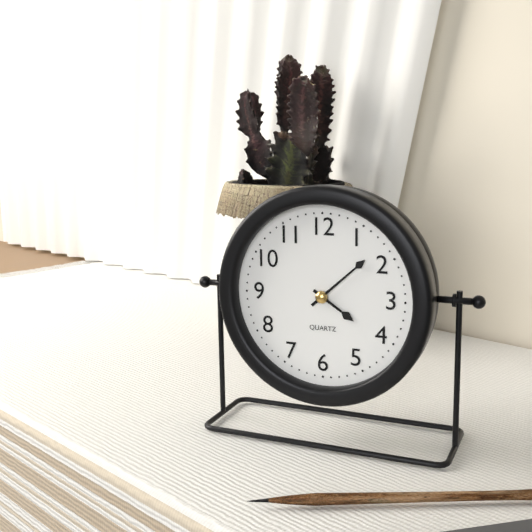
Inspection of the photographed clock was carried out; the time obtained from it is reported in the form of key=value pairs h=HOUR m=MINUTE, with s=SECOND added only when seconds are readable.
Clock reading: h=4 m=8
